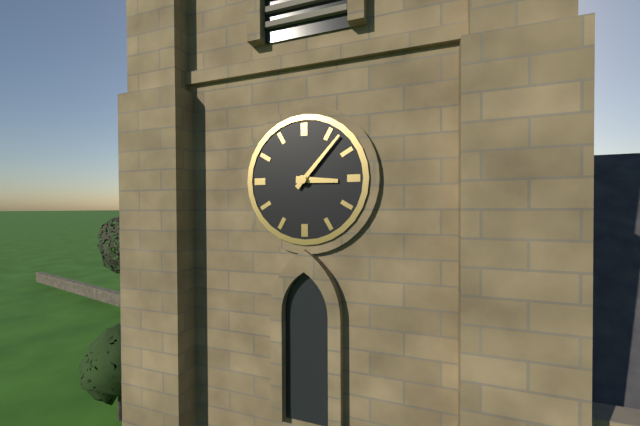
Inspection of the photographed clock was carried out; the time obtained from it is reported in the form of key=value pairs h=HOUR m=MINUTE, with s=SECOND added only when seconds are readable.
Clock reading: h=3 m=7
